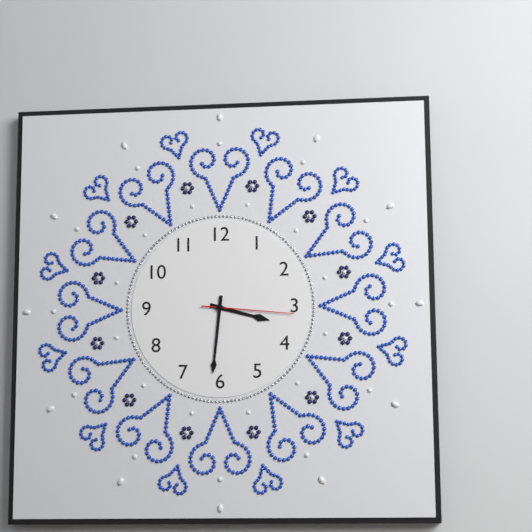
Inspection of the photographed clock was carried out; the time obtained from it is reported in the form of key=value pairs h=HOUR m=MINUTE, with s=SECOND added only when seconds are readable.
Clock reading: h=3 m=31 s=16
